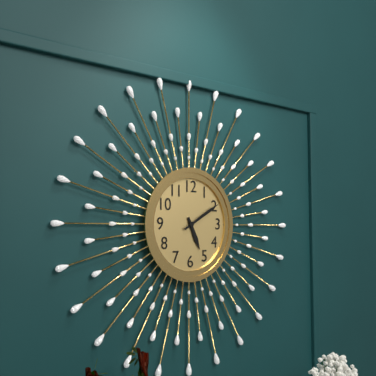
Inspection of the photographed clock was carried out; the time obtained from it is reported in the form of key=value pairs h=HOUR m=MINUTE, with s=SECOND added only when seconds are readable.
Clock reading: h=5 m=10
